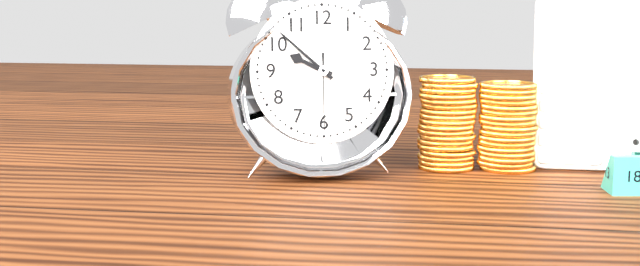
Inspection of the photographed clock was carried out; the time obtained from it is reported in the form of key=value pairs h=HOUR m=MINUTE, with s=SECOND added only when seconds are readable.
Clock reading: h=9 m=52 s=30
